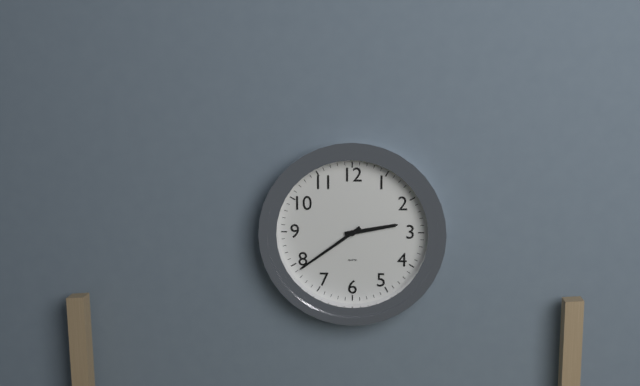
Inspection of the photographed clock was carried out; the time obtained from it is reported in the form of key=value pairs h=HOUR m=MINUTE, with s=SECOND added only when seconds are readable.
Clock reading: h=2 m=39
